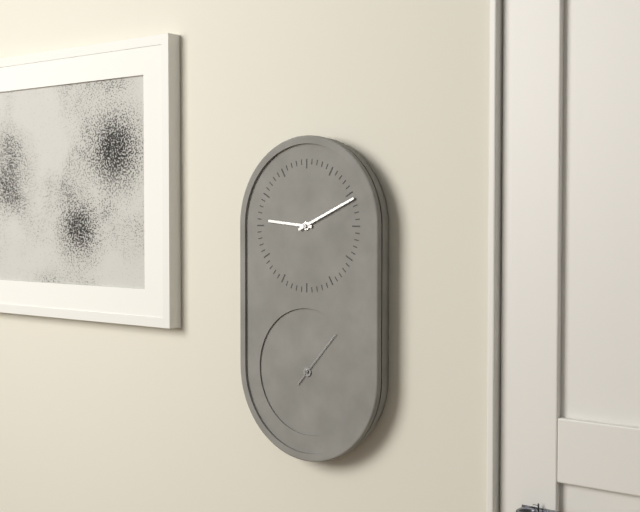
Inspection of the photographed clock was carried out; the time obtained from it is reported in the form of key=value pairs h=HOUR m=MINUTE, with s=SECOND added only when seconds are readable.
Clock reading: h=9 m=11 s=7
